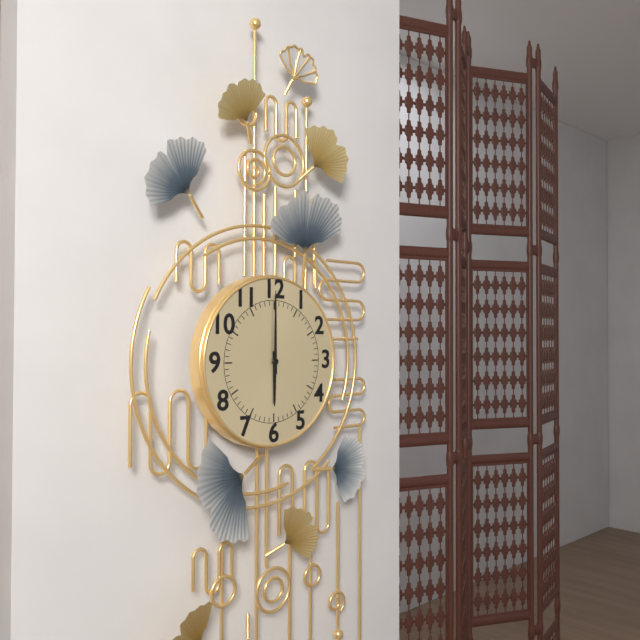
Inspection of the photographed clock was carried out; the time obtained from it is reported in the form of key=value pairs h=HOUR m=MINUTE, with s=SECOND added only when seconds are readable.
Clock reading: h=6 m=0
